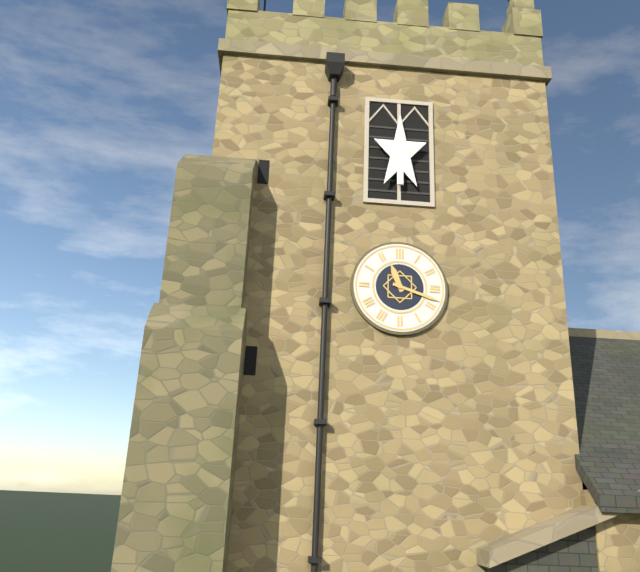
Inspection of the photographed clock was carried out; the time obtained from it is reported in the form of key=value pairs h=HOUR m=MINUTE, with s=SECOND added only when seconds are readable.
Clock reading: h=11 m=18
